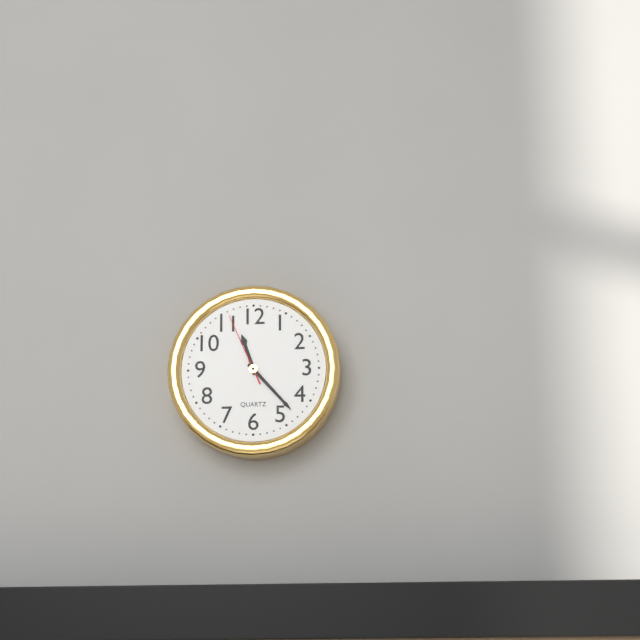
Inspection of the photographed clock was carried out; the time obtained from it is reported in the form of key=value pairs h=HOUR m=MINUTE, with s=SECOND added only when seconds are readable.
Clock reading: h=11 m=23 s=56
